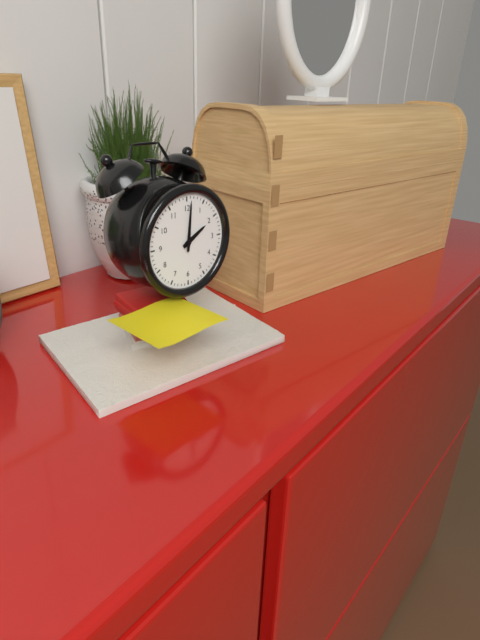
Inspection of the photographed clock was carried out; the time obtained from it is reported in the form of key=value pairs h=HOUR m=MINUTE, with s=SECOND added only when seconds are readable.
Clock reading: h=2 m=1
